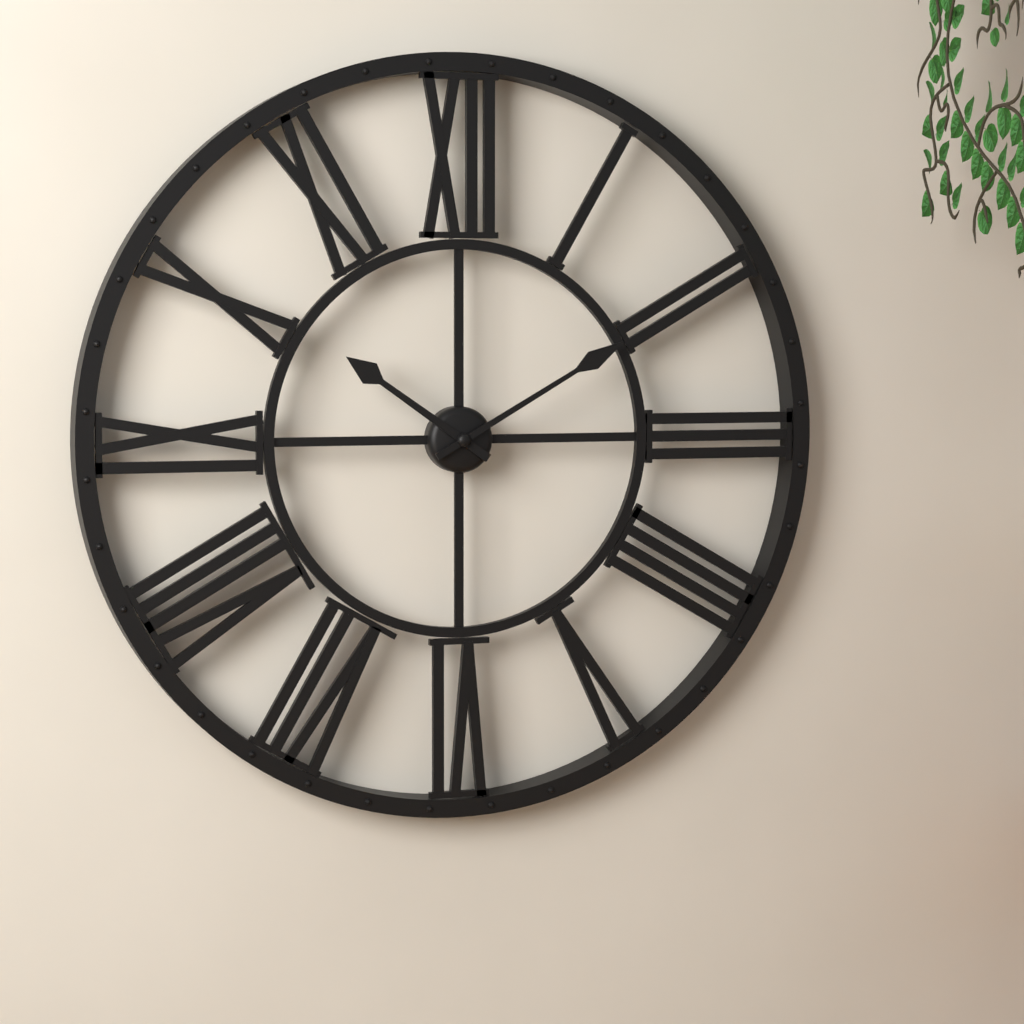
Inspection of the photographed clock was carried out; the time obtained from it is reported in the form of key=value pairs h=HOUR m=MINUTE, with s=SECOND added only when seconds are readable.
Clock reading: h=10 m=10
